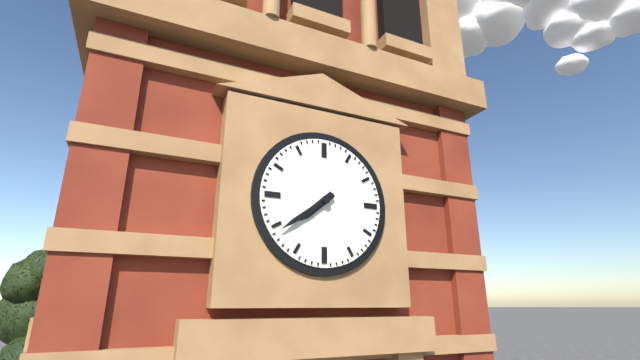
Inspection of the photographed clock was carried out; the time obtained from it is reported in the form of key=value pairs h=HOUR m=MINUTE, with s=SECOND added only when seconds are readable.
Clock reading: h=7 m=39
